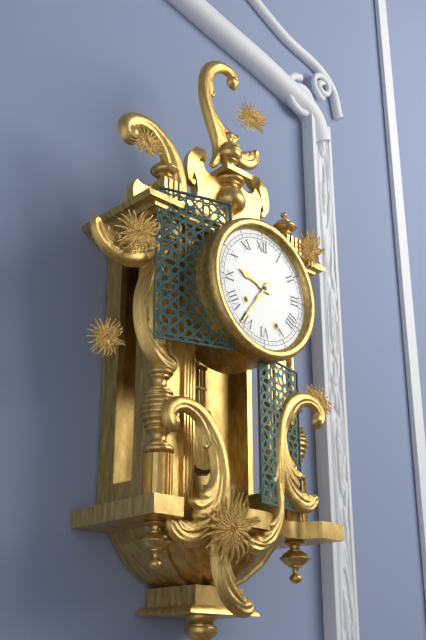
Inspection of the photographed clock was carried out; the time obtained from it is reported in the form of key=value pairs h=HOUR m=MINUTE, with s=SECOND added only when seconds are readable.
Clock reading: h=9 m=36
